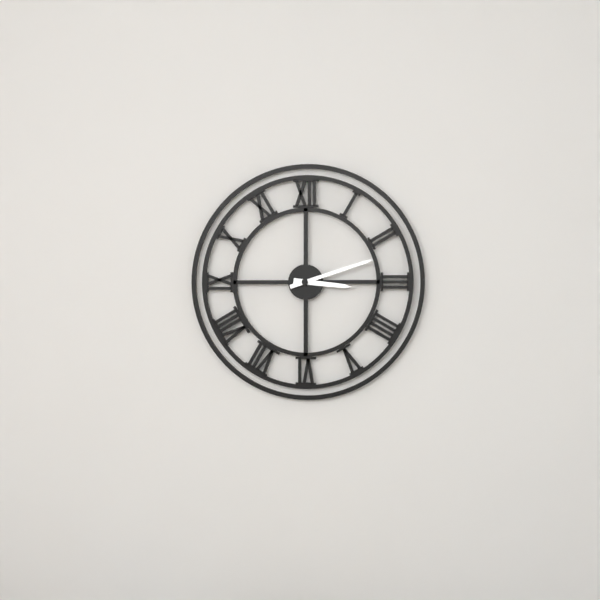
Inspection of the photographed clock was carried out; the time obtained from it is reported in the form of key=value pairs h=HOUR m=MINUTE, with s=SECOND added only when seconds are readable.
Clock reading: h=3 m=12
